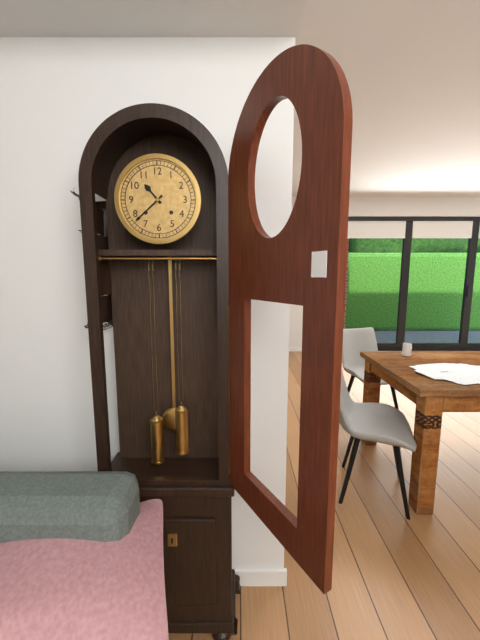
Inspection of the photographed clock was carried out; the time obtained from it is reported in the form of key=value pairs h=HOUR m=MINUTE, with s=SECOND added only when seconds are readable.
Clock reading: h=10 m=38
